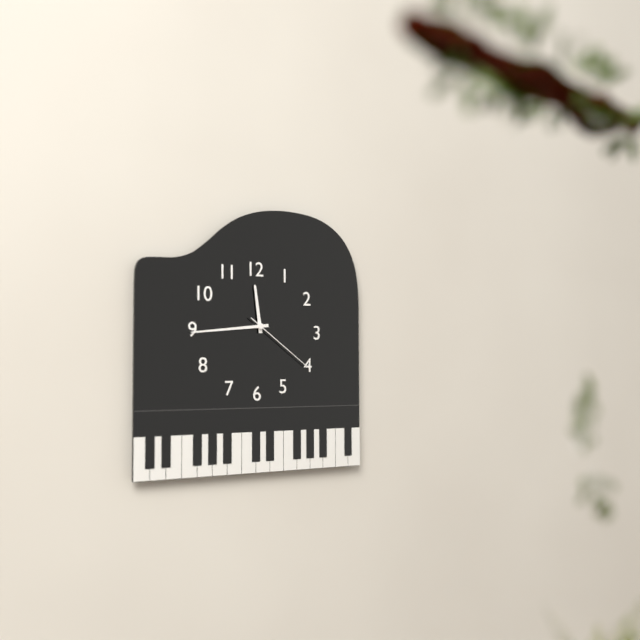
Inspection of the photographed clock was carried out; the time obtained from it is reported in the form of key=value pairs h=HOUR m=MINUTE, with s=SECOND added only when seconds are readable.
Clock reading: h=11 m=44 s=21
